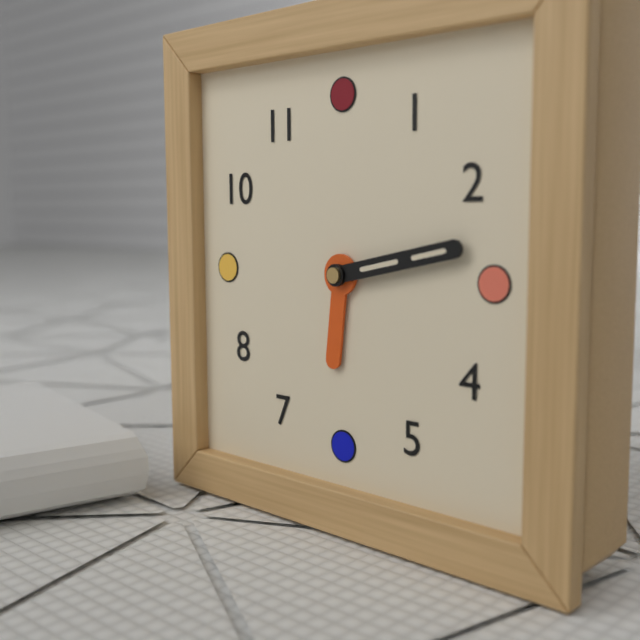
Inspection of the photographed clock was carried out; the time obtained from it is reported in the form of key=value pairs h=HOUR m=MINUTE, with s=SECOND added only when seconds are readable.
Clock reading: h=6 m=13
